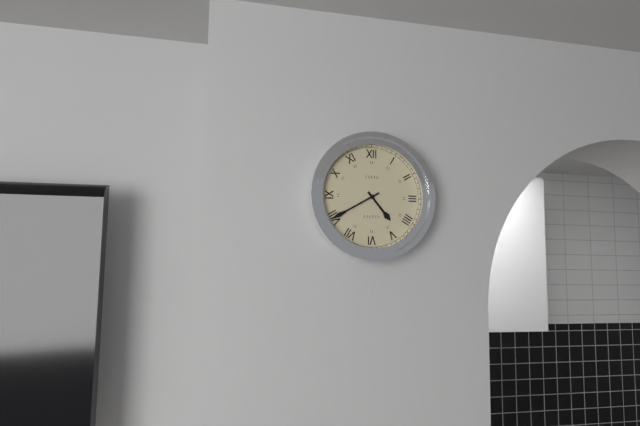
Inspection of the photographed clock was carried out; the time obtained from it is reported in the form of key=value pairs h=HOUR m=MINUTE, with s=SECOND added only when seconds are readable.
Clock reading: h=4 m=40
